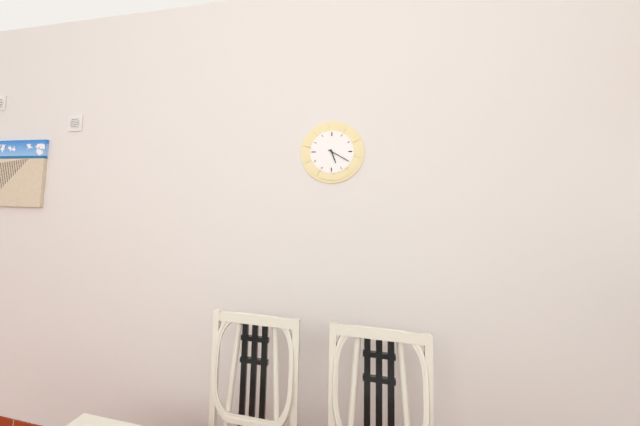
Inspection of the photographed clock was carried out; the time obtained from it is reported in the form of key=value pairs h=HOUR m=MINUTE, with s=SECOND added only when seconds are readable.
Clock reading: h=5 m=20
